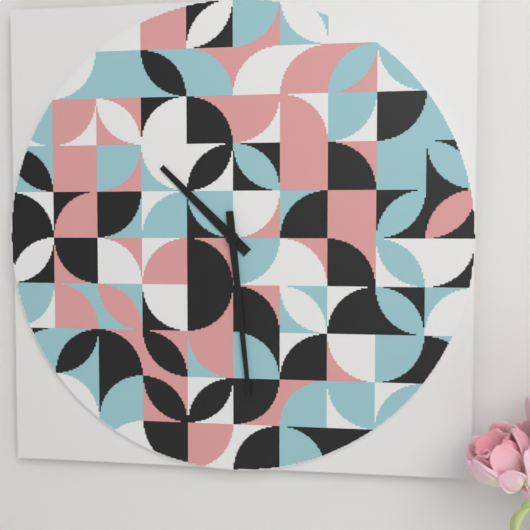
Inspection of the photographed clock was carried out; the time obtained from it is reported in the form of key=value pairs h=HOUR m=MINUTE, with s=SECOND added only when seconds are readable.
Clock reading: h=10 m=29
